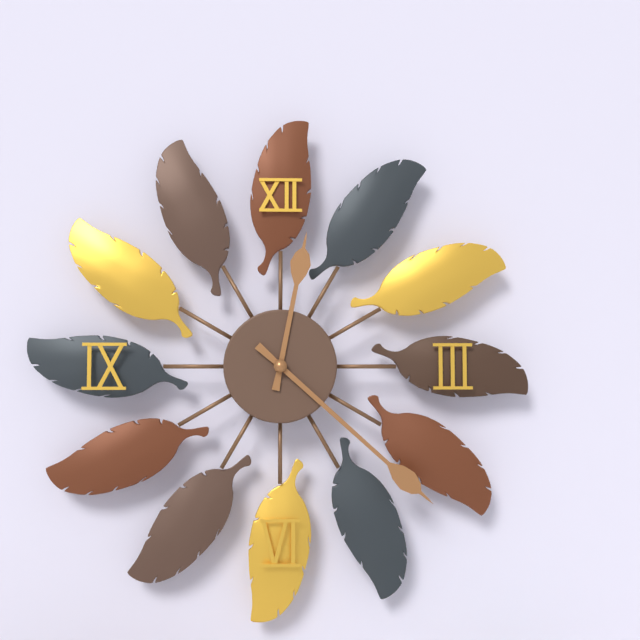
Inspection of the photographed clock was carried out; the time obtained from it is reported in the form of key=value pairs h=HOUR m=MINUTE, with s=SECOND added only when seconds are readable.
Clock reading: h=12 m=22
